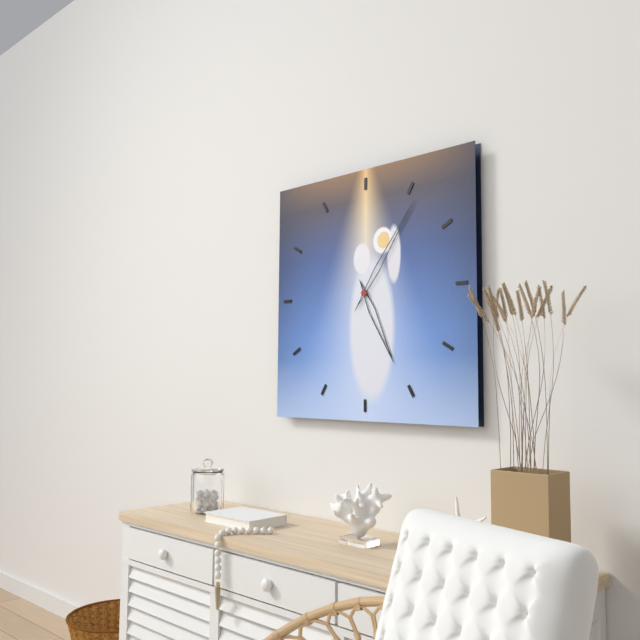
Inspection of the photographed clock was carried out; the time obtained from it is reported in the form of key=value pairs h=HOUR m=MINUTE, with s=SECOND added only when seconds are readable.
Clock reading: h=5 m=6
